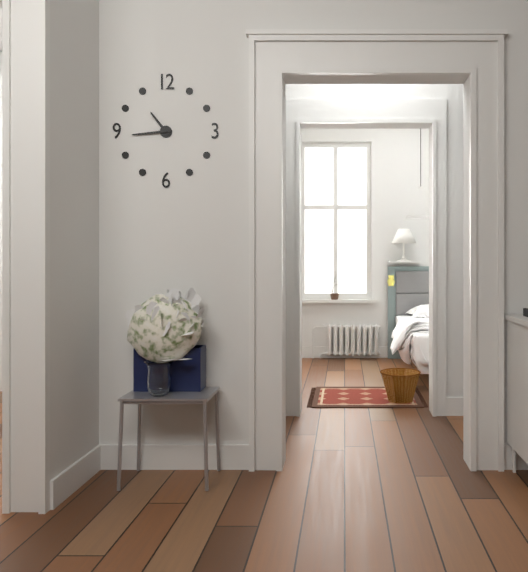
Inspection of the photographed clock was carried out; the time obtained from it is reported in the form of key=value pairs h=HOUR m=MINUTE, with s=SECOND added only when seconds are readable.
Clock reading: h=10 m=44
